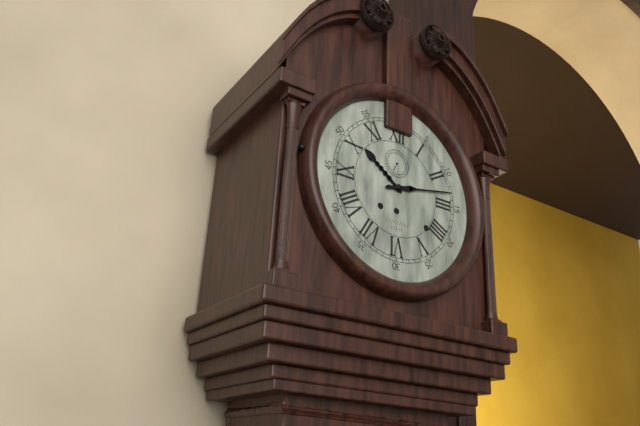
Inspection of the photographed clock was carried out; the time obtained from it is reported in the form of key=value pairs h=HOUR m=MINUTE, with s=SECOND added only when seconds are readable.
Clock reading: h=10 m=13
